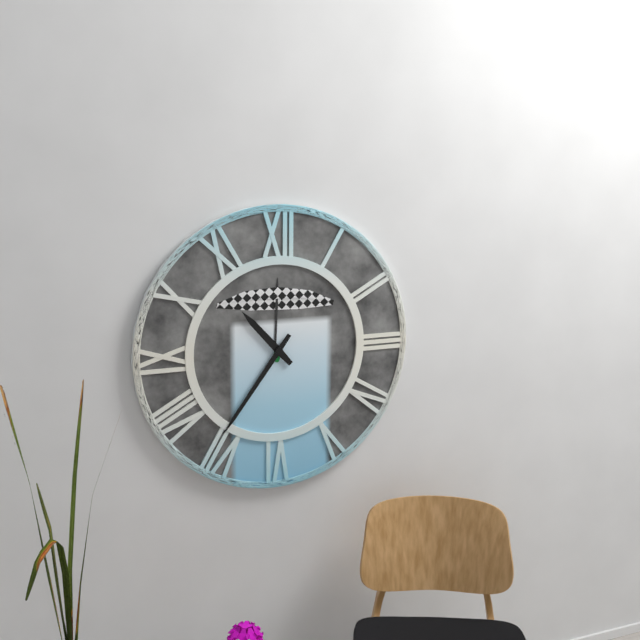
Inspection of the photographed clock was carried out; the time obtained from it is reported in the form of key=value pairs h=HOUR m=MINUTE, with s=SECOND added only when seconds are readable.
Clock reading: h=10 m=36
